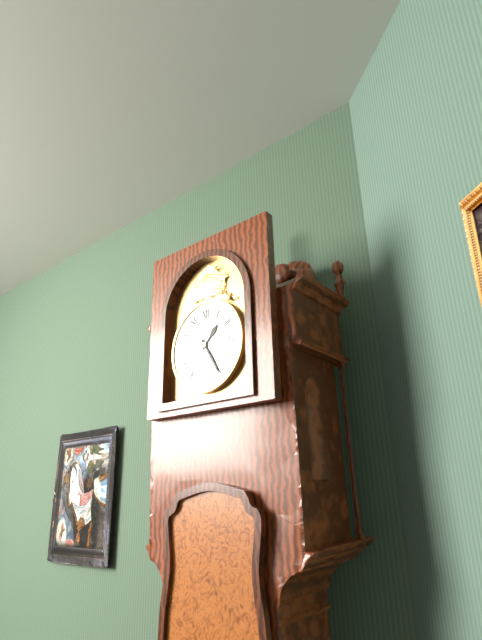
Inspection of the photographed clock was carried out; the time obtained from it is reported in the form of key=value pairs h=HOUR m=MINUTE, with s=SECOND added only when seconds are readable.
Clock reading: h=1 m=25
